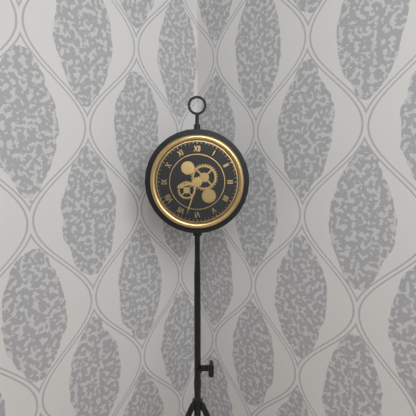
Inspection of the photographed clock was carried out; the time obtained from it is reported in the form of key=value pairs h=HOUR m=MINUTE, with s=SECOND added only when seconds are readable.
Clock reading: h=8 m=33
